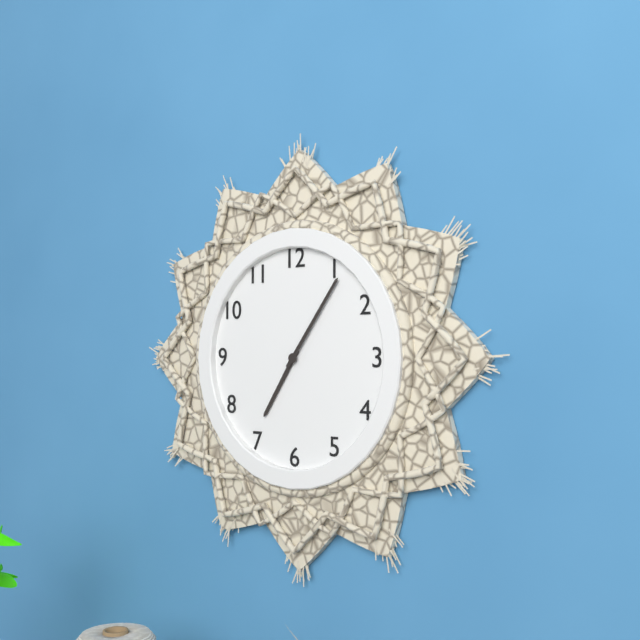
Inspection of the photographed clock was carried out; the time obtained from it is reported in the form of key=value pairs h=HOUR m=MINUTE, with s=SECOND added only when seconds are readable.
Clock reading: h=7 m=6
